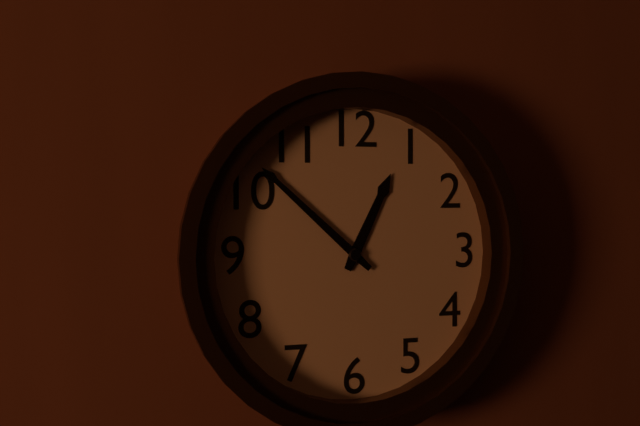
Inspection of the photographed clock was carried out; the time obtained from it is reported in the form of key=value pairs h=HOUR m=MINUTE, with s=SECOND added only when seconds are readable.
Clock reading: h=12 m=52
